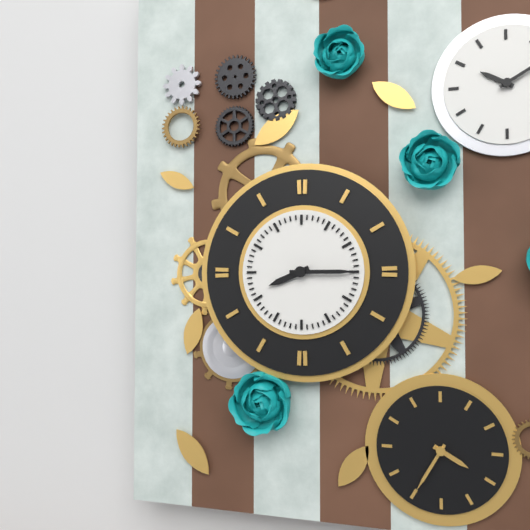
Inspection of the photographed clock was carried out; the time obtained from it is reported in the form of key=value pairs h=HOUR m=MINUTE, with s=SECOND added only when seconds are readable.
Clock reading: h=8 m=15
